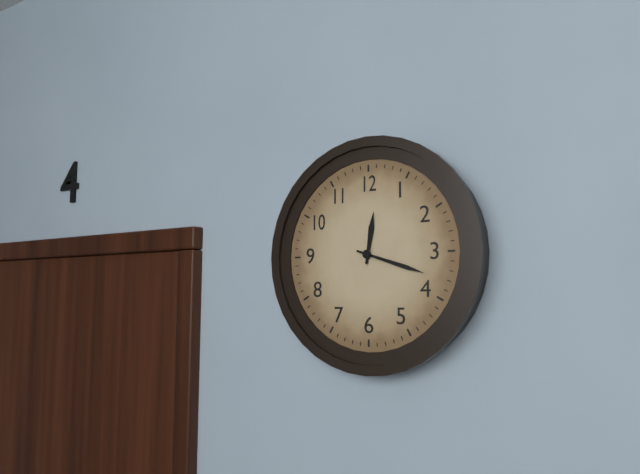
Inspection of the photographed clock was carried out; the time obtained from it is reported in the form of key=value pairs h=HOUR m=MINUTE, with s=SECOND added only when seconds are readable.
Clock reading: h=12 m=18
